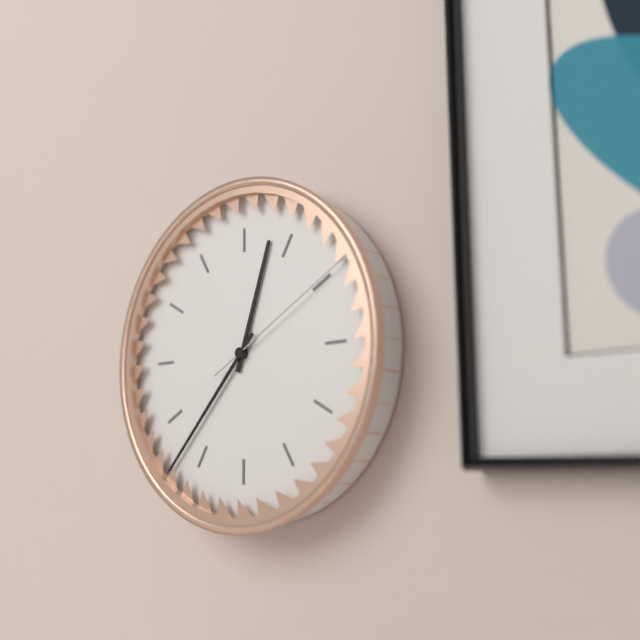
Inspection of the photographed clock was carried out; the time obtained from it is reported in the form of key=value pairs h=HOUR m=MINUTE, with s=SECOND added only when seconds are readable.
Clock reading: h=12 m=37 s=10
